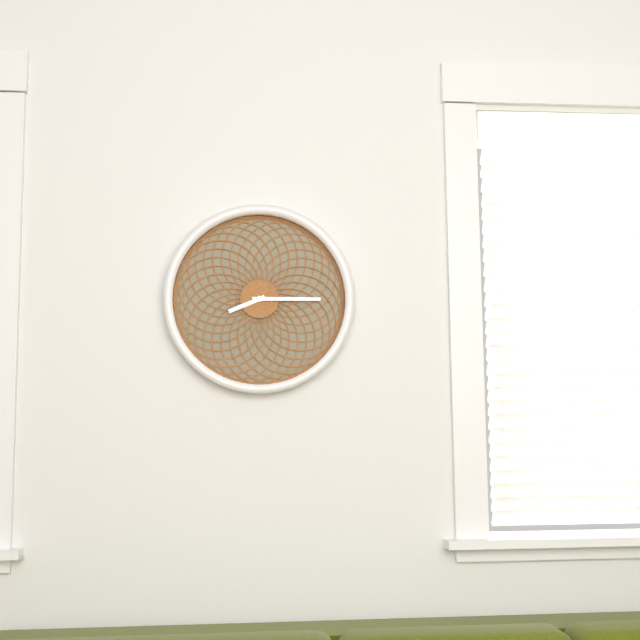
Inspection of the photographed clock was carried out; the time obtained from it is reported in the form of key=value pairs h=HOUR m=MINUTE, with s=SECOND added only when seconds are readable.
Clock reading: h=8 m=15
